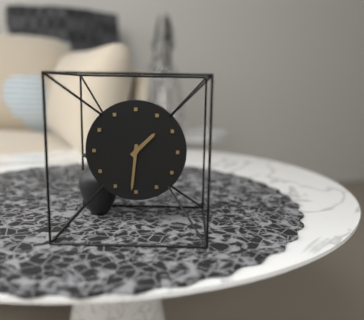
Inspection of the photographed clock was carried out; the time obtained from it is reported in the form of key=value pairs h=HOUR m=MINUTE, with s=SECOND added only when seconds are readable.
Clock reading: h=1 m=31
